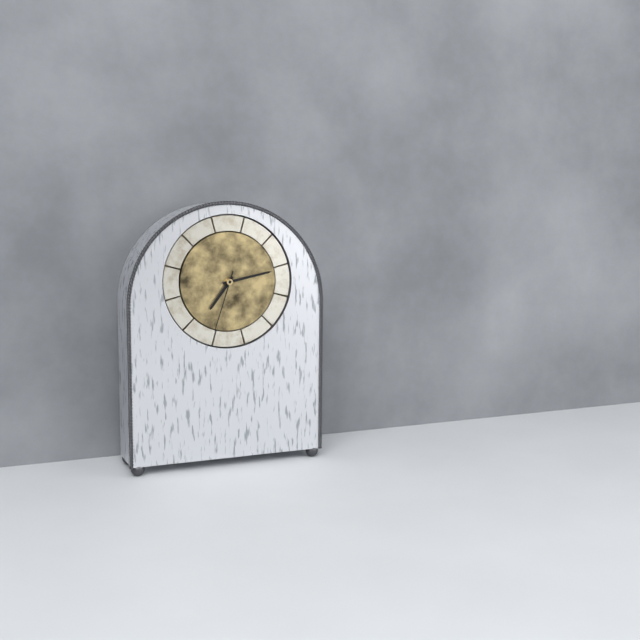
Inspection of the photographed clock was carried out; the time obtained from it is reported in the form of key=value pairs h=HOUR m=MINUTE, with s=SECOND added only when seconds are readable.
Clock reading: h=7 m=13 s=33
